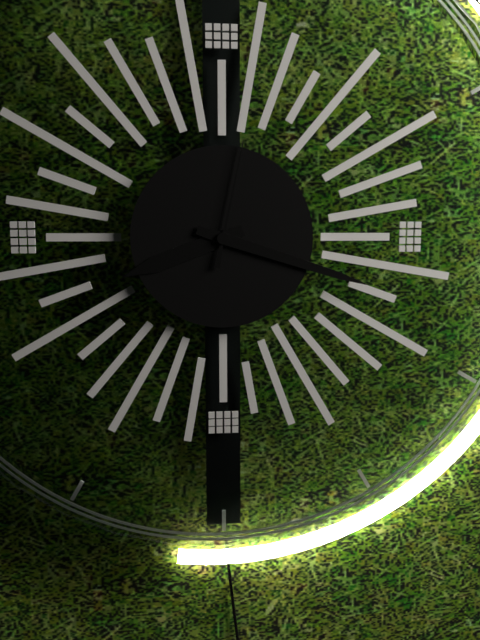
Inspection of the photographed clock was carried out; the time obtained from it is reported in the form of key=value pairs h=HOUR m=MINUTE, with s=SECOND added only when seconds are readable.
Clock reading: h=8 m=18 s=2
